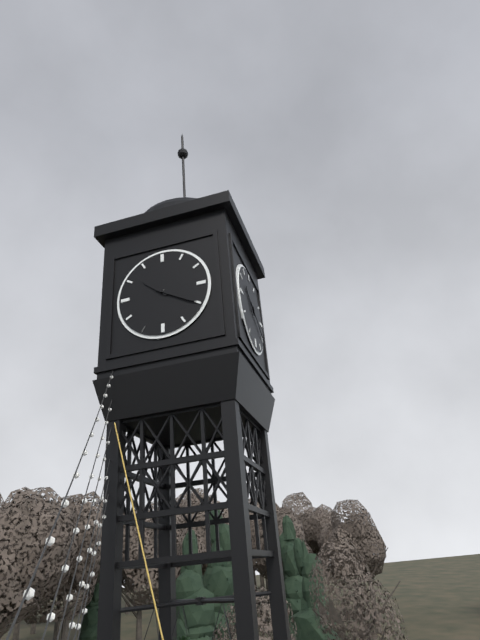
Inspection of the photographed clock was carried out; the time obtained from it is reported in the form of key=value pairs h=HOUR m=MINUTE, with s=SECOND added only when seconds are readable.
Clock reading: h=10 m=20
